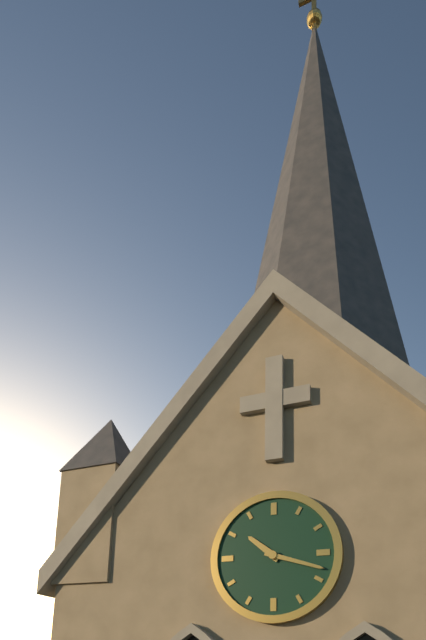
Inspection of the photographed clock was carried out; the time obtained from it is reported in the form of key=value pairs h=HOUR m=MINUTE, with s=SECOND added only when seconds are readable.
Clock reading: h=10 m=18
